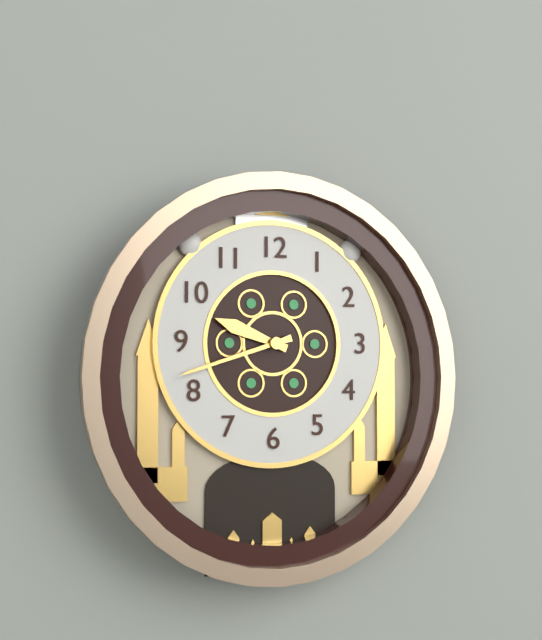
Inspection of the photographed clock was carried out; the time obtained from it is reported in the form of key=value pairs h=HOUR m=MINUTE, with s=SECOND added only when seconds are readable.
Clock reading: h=9 m=42
